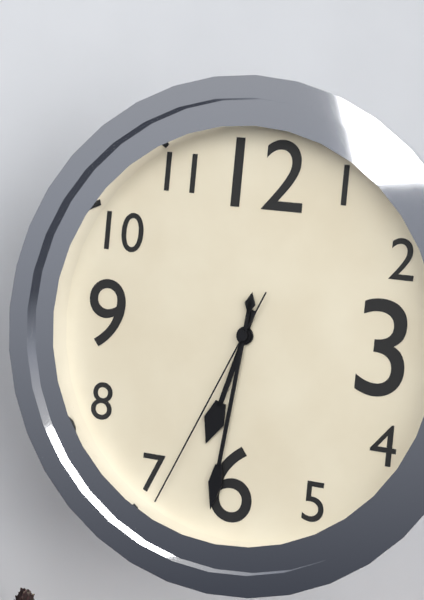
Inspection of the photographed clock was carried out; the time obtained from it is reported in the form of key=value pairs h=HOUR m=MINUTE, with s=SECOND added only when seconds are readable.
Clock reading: h=6 m=31 s=34
